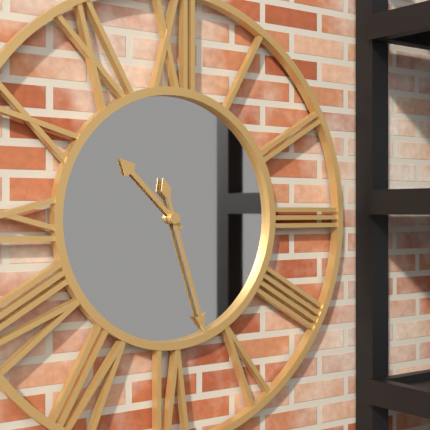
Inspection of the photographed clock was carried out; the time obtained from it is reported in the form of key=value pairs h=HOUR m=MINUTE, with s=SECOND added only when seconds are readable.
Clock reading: h=10 m=27
